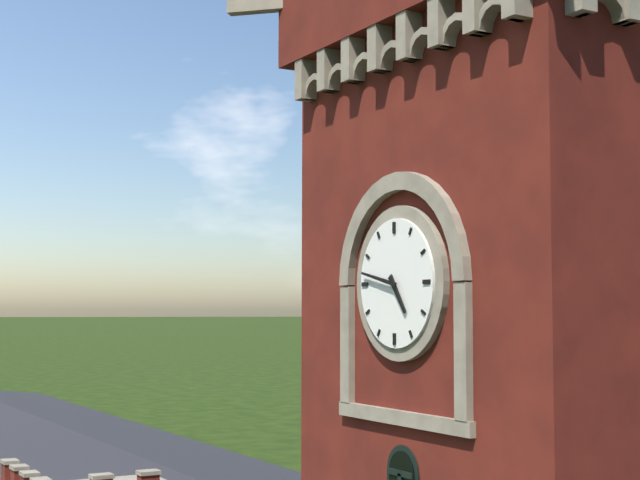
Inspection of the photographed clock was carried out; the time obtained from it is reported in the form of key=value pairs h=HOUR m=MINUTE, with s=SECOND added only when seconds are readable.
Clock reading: h=4 m=47
